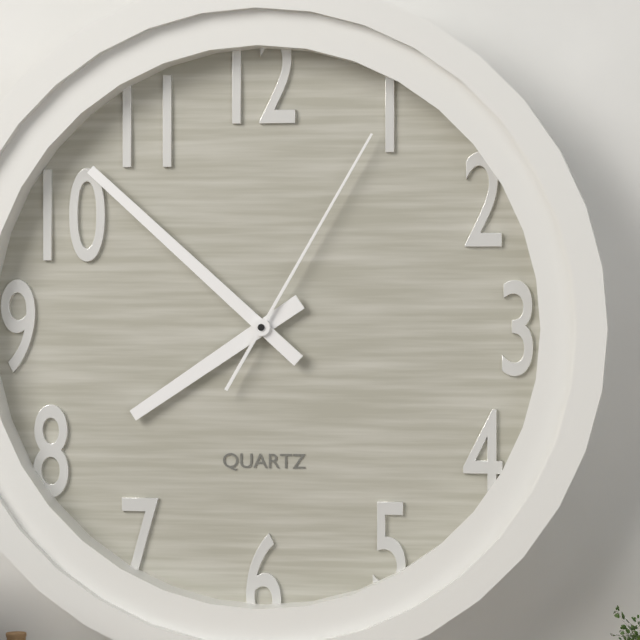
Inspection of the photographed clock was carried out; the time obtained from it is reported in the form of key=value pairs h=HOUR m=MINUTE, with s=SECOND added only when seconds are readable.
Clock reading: h=7 m=52 s=5
